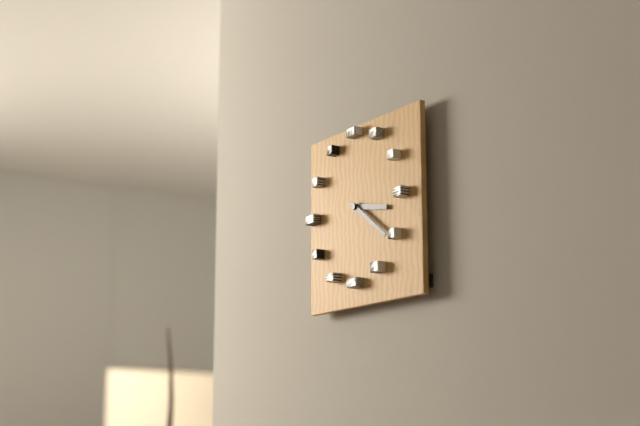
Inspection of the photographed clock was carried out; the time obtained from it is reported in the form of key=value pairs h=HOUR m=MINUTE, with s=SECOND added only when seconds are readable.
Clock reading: h=3 m=21
